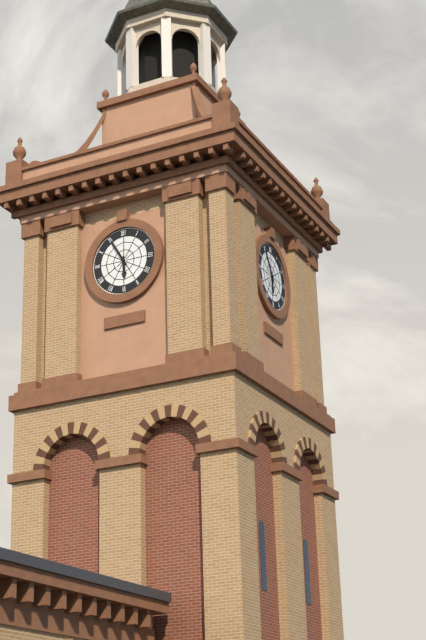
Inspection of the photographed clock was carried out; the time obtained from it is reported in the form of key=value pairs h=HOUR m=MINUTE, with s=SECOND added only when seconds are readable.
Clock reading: h=5 m=55
